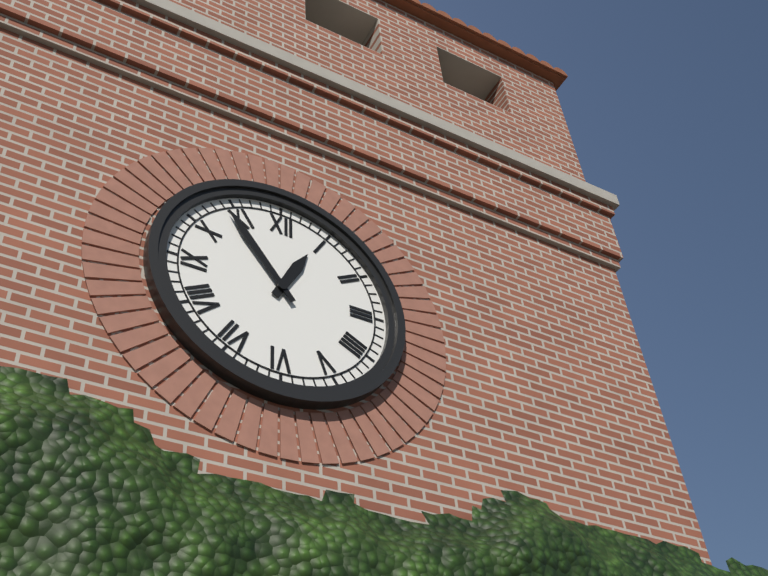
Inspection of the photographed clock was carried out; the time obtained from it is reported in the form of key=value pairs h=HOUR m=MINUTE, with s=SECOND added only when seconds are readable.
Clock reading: h=12 m=54
